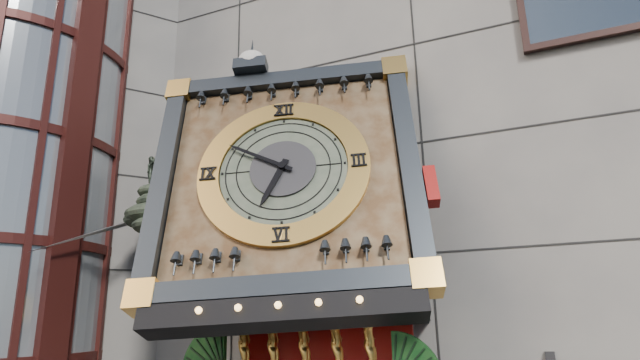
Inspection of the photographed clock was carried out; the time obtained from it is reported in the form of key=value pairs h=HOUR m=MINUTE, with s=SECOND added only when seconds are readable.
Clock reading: h=6 m=50
